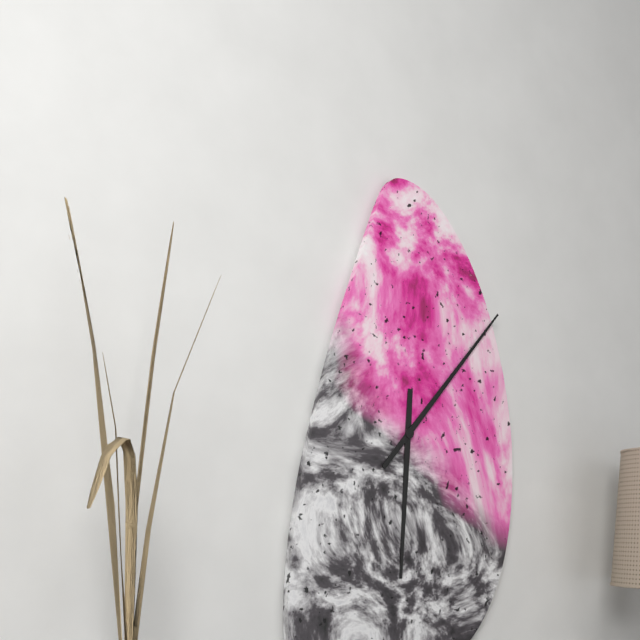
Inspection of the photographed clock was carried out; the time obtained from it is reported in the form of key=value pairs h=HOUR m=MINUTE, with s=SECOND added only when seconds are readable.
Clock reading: h=6 m=7
